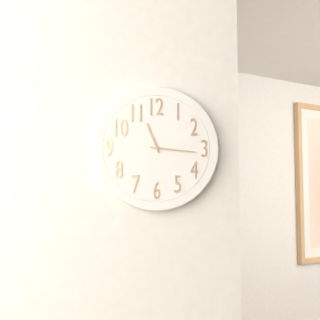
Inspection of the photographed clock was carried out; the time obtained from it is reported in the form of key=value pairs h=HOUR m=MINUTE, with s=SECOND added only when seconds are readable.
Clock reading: h=11 m=16
